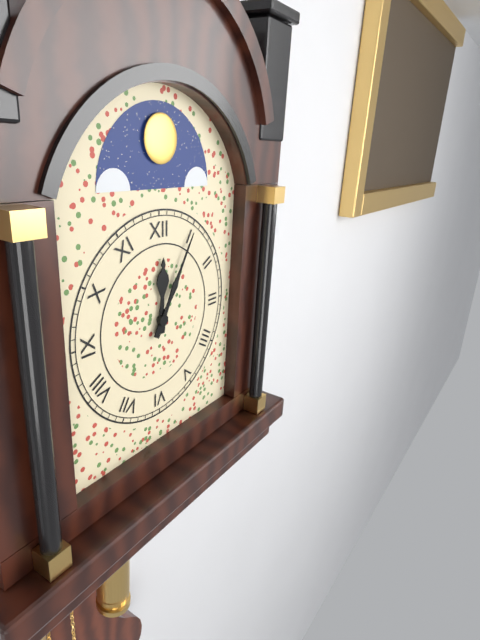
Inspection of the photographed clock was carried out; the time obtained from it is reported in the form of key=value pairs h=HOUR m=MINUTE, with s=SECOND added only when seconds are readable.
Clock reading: h=12 m=5
